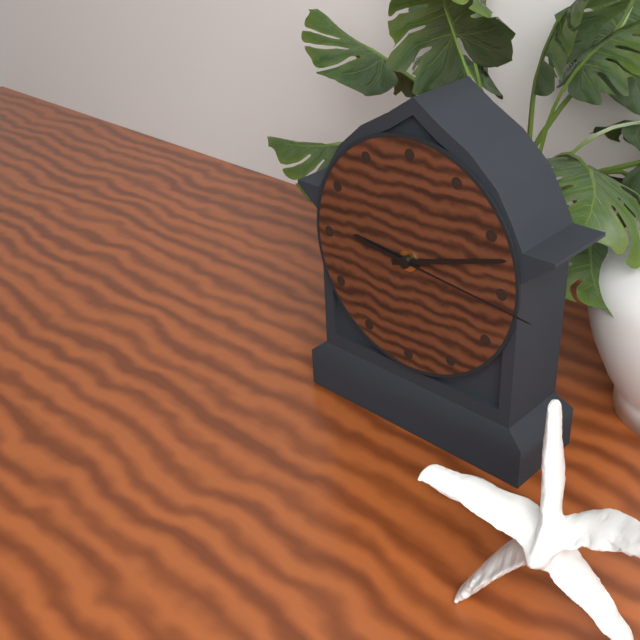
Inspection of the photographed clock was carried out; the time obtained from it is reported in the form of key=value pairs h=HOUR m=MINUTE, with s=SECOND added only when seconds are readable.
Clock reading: h=9 m=12 s=16
